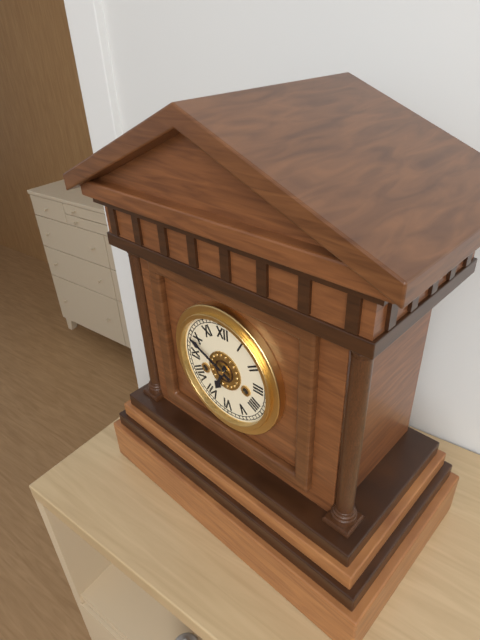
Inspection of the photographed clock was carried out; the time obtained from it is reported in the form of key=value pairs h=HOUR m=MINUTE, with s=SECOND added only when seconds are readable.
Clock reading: h=6 m=49
